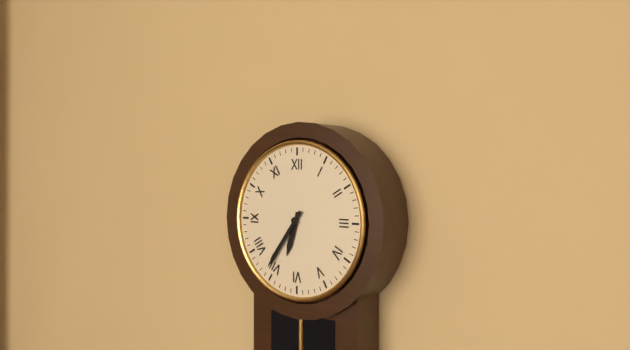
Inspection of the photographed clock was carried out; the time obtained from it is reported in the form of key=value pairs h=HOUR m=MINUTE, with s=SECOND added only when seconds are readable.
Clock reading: h=6 m=36
